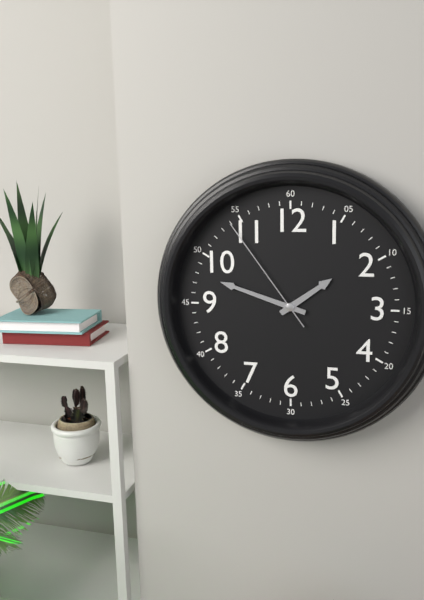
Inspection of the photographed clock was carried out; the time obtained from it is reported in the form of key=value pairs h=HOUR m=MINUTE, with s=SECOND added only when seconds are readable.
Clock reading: h=1 m=48 s=54
